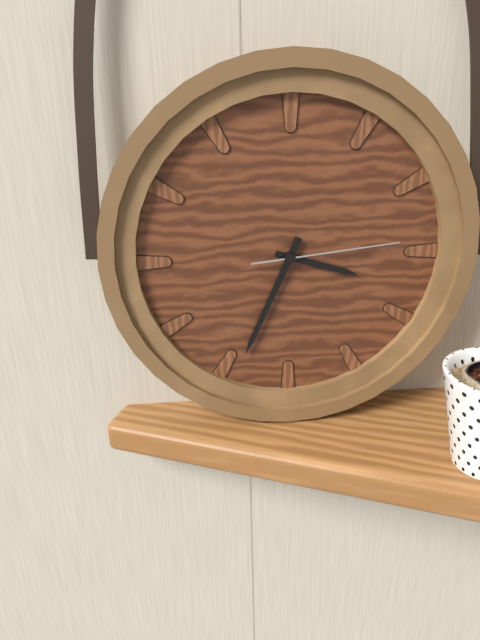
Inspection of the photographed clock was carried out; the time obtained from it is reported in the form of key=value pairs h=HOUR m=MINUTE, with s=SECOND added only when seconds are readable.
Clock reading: h=3 m=34 s=14
